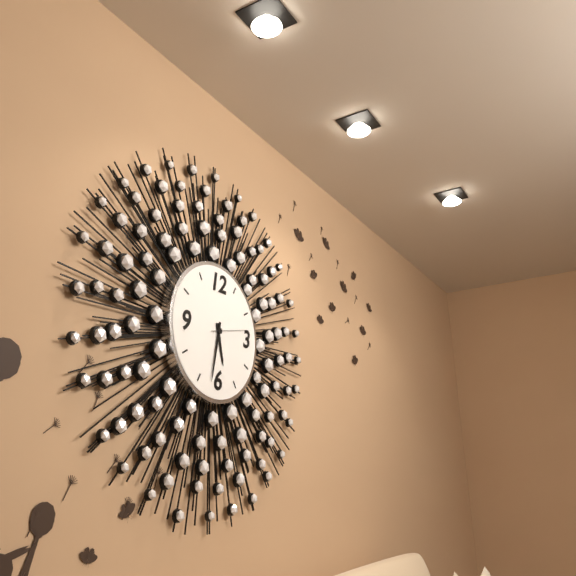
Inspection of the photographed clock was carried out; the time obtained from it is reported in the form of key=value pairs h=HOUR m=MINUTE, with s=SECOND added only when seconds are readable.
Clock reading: h=5 m=32
